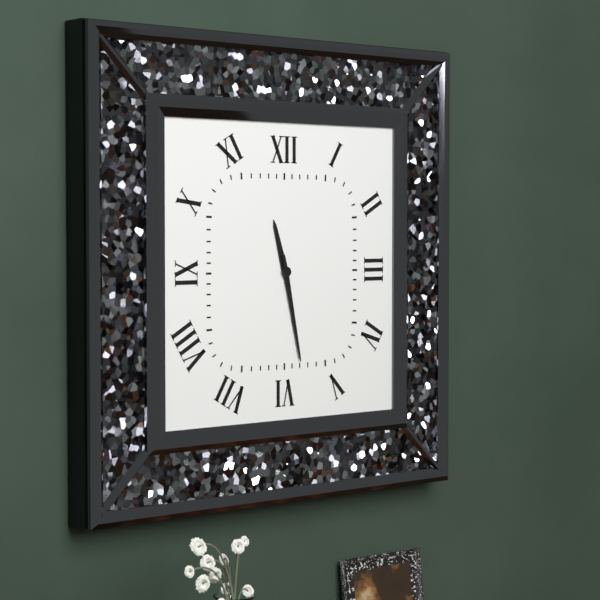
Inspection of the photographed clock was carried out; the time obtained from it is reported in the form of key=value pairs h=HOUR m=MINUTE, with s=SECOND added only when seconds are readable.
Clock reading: h=11 m=28
